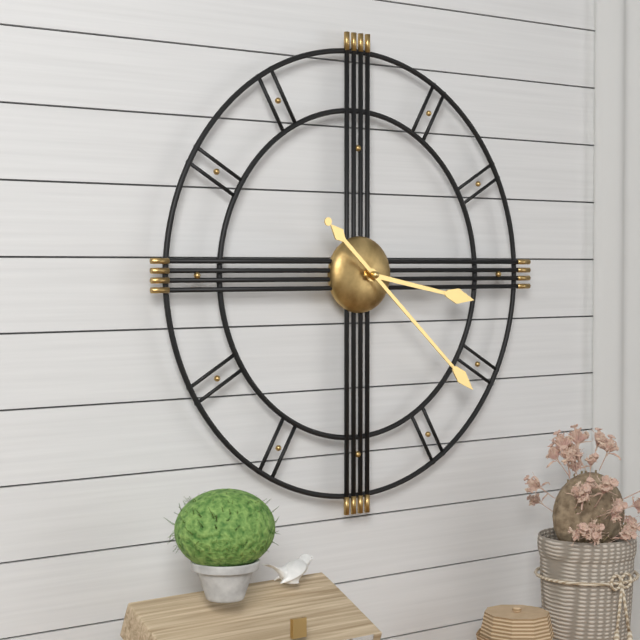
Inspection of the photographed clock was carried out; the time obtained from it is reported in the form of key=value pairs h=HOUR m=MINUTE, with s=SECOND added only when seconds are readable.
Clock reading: h=3 m=22
